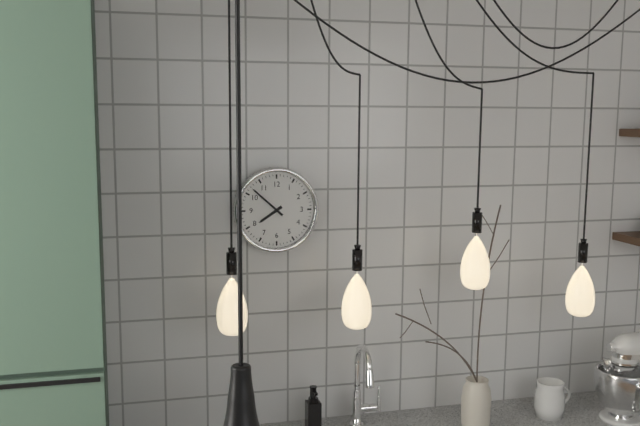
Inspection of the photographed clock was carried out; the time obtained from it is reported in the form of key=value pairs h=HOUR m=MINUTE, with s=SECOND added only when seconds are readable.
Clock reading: h=7 m=52
